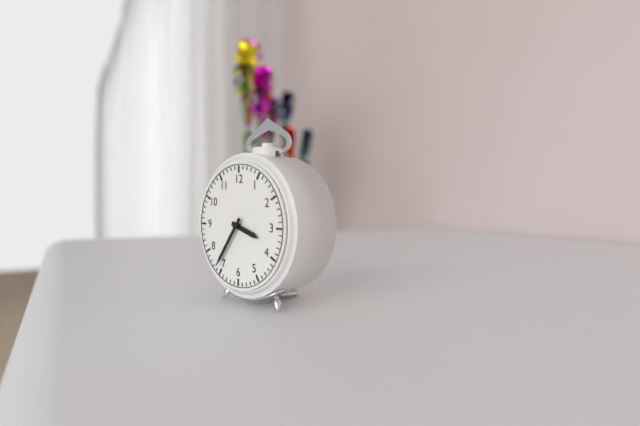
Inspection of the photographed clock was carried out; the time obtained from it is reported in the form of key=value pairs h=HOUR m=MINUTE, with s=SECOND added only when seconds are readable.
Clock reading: h=3 m=36
